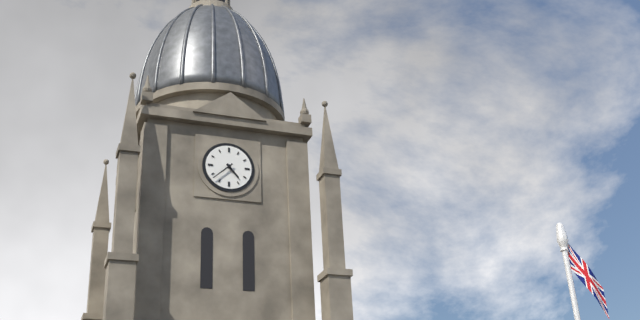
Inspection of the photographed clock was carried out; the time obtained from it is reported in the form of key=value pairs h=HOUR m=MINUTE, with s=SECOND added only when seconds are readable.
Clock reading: h=4 m=38
